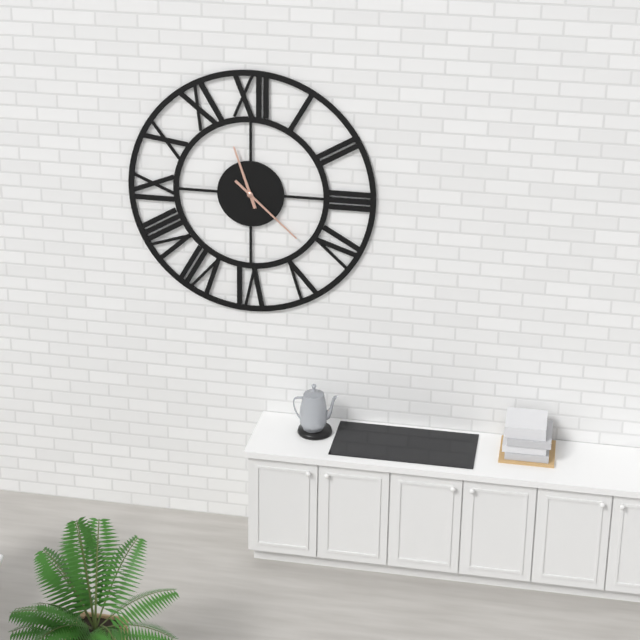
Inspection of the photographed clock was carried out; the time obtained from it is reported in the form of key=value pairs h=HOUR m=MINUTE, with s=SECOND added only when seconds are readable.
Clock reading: h=11 m=22
